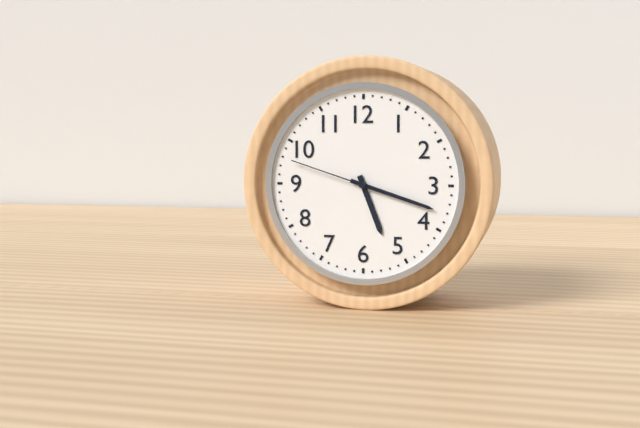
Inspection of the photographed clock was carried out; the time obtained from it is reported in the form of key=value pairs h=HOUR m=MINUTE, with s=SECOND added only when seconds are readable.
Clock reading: h=5 m=18 s=48
